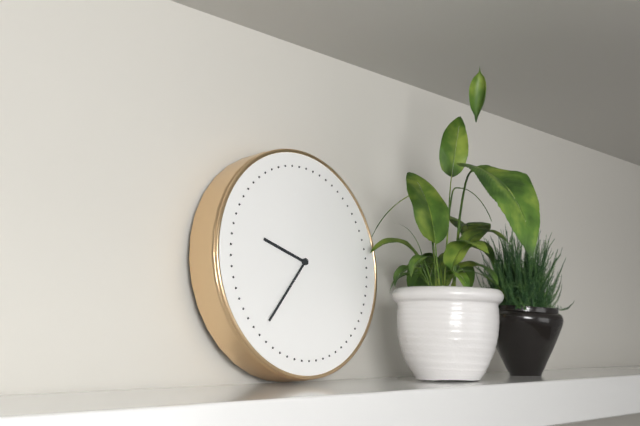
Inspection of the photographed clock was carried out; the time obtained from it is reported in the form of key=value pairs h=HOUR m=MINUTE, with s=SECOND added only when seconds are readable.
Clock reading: h=9 m=37
